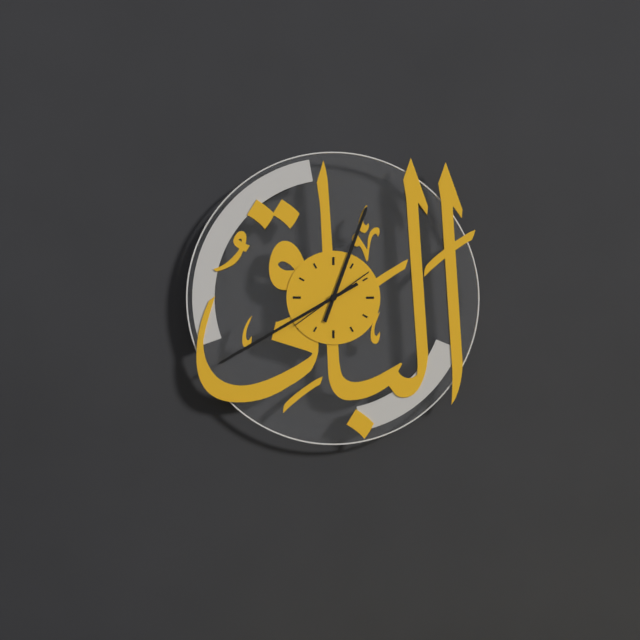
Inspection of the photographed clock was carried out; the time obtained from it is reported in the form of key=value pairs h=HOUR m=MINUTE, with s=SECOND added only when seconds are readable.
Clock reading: h=12 m=40 s=39
